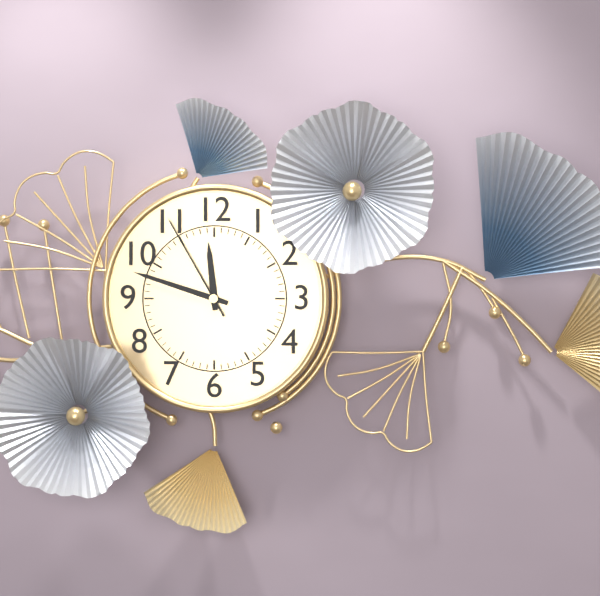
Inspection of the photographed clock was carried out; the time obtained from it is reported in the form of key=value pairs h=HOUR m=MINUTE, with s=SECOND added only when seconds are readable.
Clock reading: h=11 m=48 s=55
